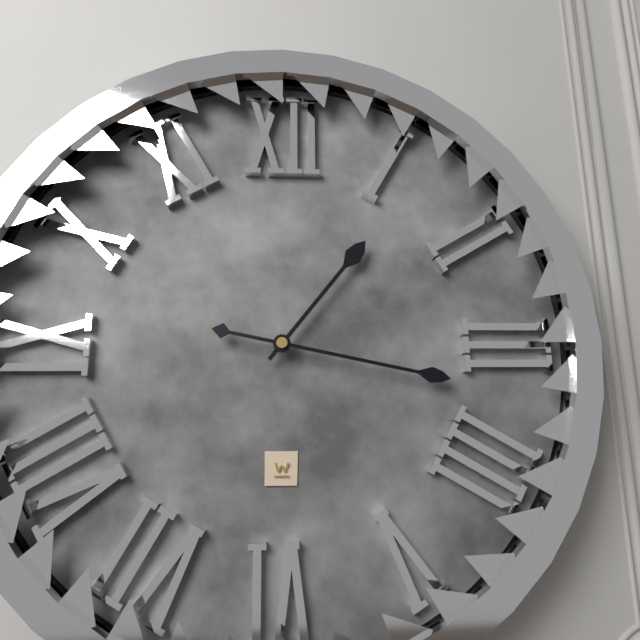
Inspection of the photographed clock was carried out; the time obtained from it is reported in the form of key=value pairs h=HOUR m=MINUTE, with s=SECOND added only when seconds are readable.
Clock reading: h=1 m=17
